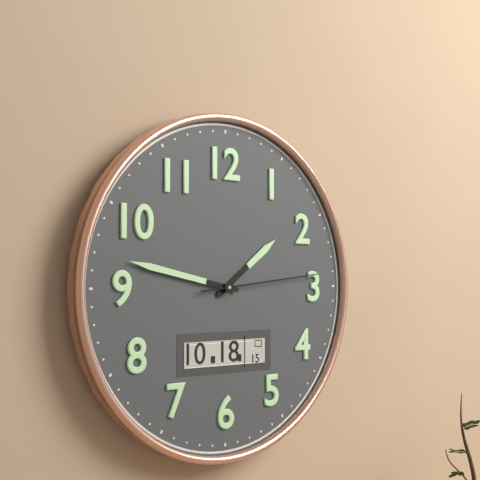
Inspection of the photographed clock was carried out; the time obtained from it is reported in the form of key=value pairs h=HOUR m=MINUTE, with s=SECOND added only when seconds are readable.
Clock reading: h=1 m=47 s=14
